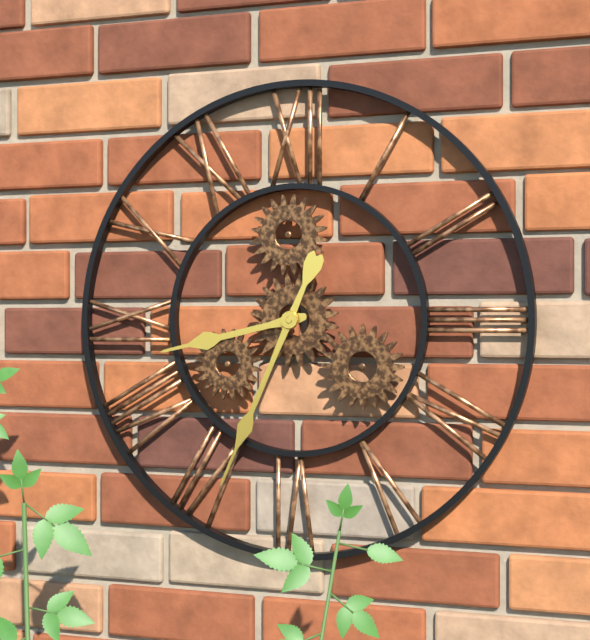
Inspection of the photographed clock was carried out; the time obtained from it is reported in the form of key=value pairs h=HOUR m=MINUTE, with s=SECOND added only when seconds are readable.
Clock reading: h=8 m=34
